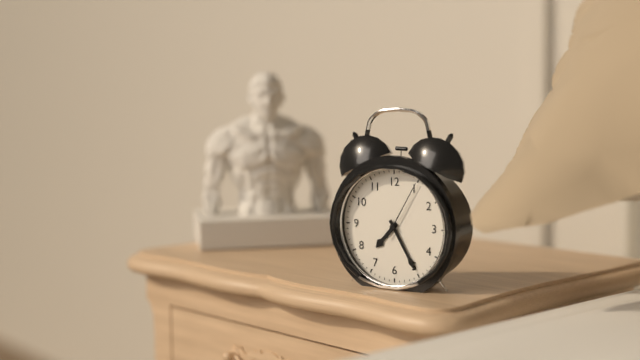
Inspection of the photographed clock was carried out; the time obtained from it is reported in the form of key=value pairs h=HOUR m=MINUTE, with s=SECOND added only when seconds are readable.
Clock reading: h=7 m=25 s=5
